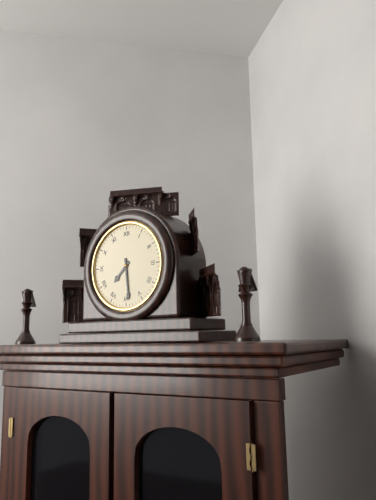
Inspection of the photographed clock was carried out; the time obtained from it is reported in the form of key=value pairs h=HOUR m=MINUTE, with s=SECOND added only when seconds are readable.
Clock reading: h=7 m=29
